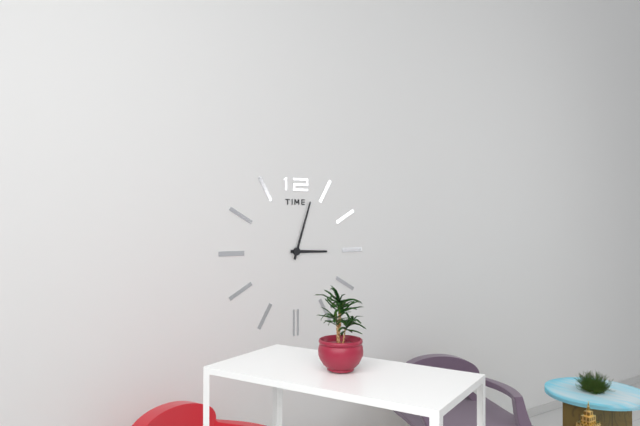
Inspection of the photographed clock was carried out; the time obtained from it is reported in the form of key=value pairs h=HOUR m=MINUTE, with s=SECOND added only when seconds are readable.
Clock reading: h=3 m=3
